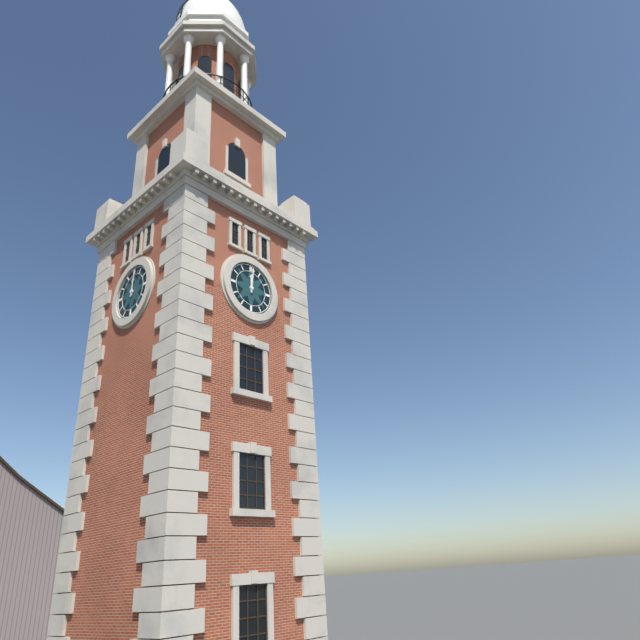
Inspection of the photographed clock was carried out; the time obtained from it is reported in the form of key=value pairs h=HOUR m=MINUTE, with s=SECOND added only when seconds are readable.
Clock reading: h=12 m=1
